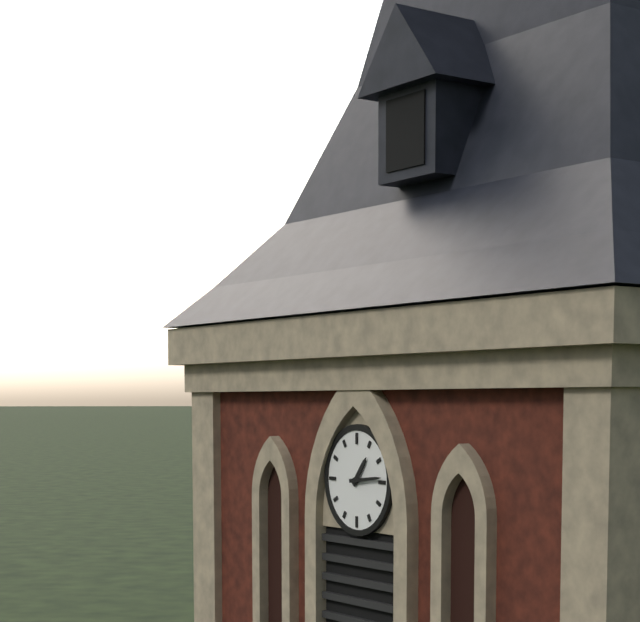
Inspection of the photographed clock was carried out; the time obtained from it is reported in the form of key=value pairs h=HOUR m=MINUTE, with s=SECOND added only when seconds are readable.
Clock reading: h=1 m=14
